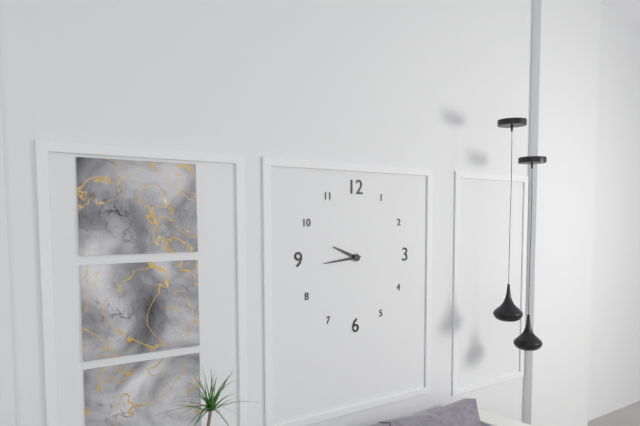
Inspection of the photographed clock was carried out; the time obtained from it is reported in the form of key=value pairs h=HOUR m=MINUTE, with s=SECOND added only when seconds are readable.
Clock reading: h=9 m=44
